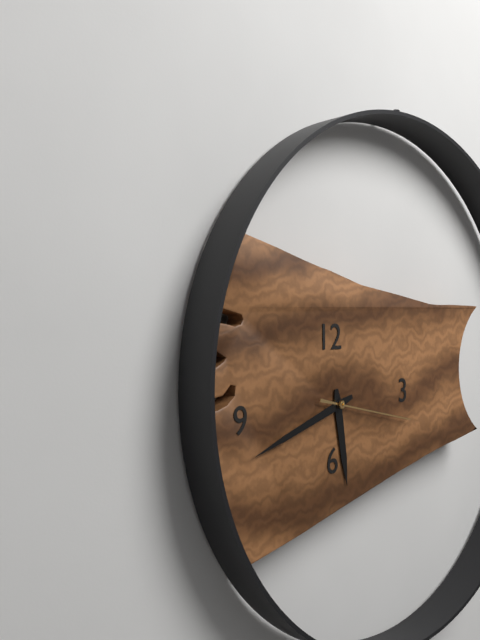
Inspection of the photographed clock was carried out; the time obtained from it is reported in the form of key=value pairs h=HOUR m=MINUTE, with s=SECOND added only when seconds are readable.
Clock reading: h=5 m=42 s=17
